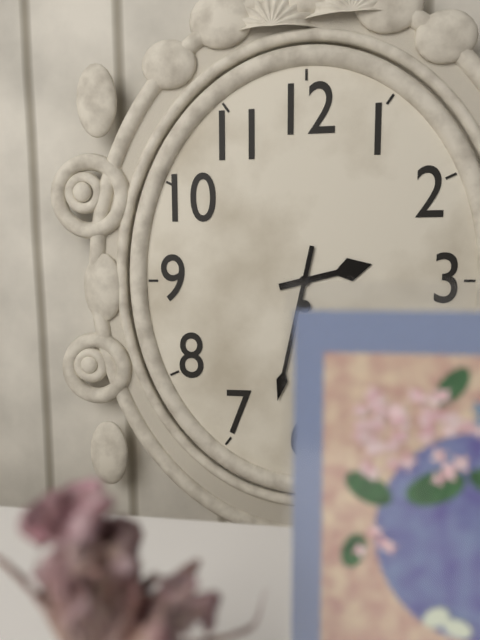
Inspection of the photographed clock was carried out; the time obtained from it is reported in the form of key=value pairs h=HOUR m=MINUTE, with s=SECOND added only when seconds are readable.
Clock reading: h=2 m=32
